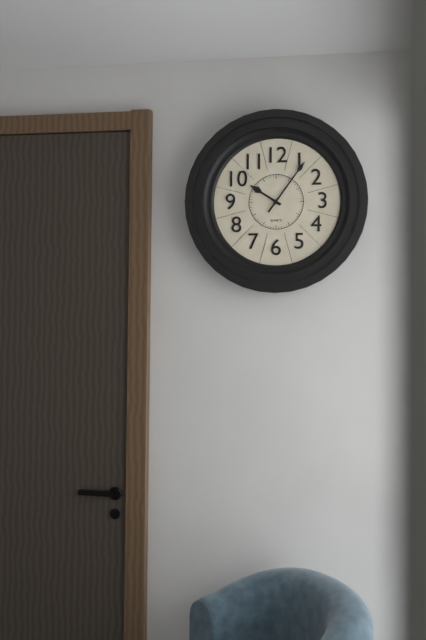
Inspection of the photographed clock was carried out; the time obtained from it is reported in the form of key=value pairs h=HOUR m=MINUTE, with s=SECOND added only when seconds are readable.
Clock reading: h=10 m=6
